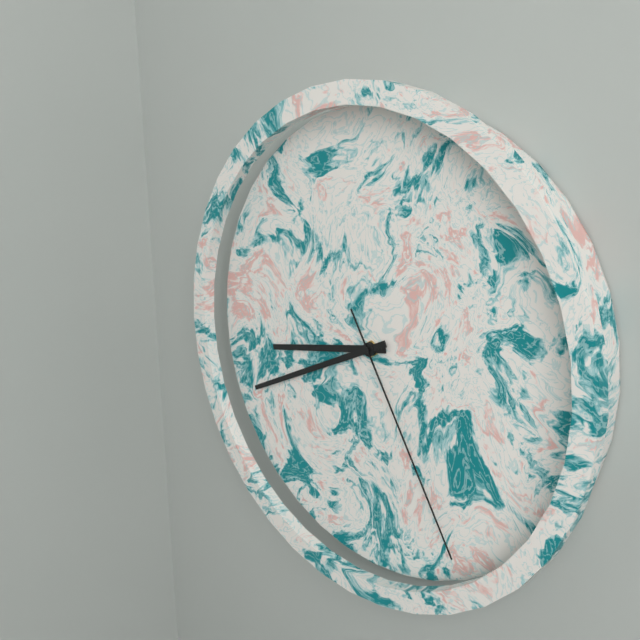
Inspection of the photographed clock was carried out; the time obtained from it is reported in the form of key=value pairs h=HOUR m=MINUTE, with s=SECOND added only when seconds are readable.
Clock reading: h=8 m=41 s=25
